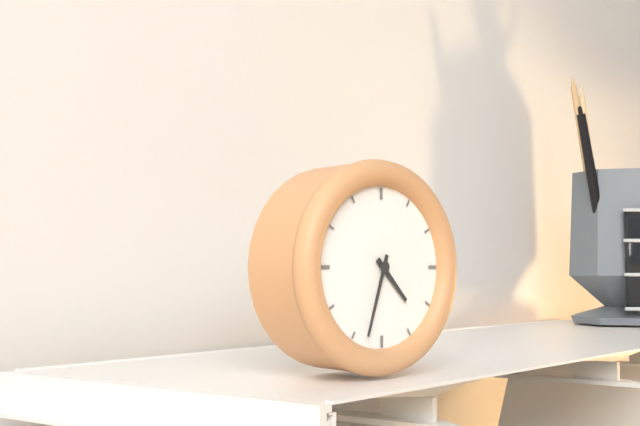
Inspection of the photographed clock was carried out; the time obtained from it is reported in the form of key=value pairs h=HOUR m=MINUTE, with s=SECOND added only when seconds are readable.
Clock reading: h=4 m=33
